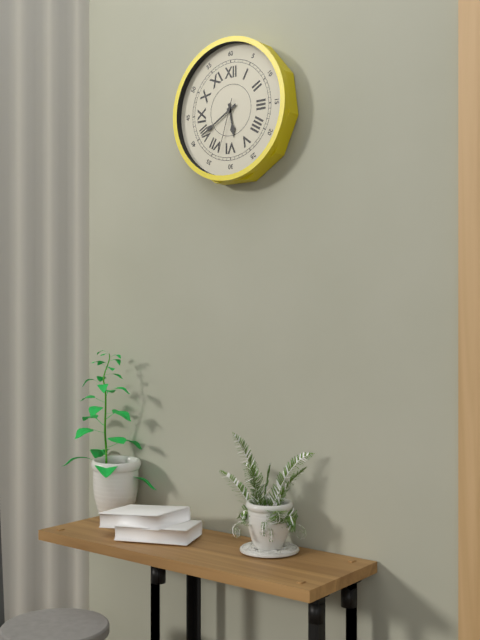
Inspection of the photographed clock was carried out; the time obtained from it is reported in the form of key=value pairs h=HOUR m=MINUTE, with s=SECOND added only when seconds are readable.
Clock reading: h=5 m=40 s=33
